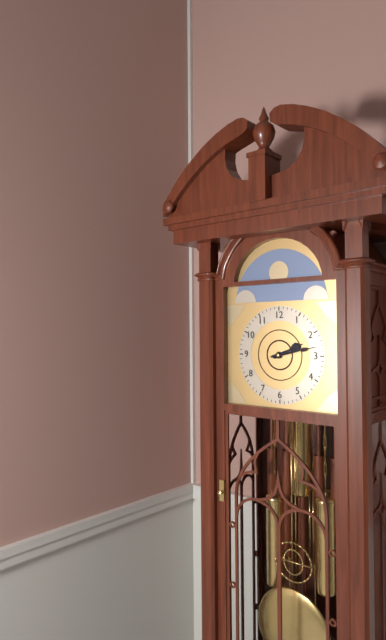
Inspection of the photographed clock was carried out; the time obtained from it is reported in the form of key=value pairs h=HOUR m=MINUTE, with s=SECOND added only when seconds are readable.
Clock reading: h=2 m=13
